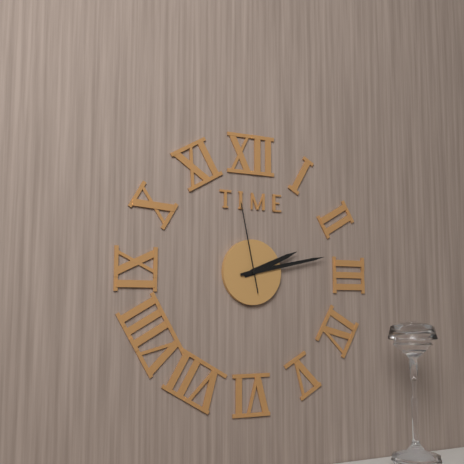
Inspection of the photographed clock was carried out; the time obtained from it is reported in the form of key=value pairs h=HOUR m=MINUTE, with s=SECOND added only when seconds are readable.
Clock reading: h=2 m=13 s=58
